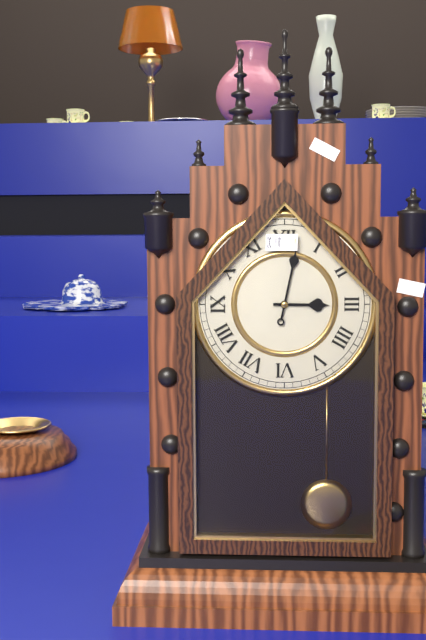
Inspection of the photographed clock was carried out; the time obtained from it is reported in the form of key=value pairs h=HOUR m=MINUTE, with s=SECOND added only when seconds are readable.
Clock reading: h=3 m=2
